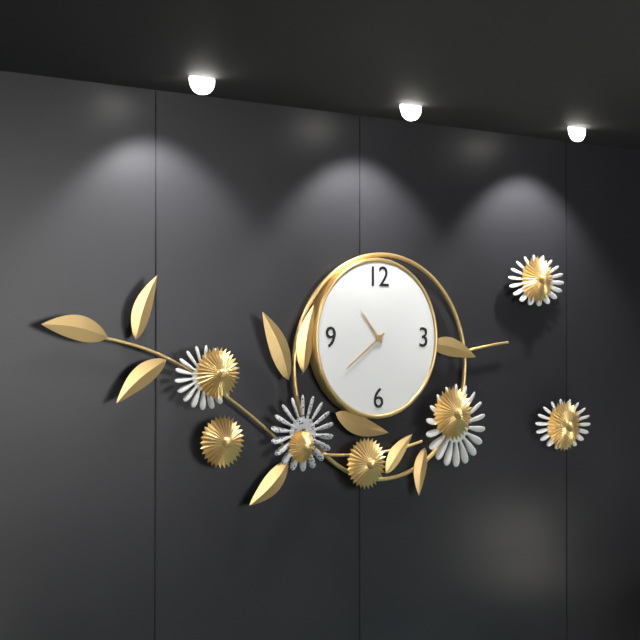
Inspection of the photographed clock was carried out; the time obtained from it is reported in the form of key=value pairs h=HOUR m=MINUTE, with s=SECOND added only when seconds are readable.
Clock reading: h=10 m=39
